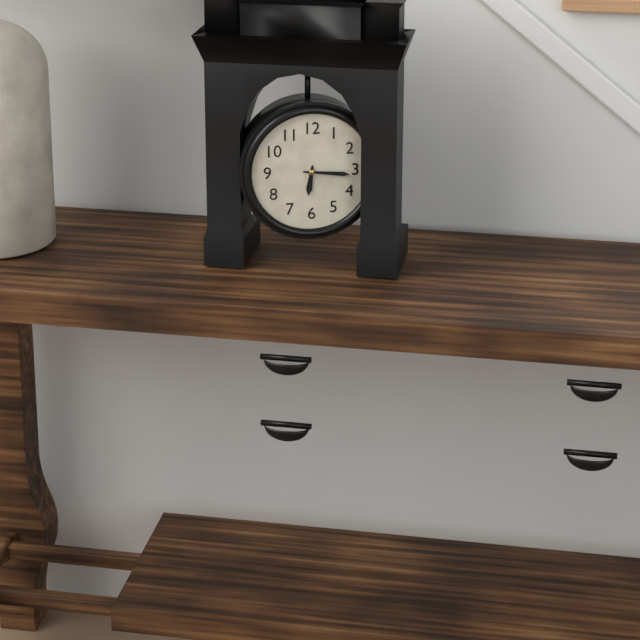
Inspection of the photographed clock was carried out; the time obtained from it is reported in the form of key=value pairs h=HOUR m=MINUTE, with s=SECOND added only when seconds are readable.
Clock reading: h=6 m=16
